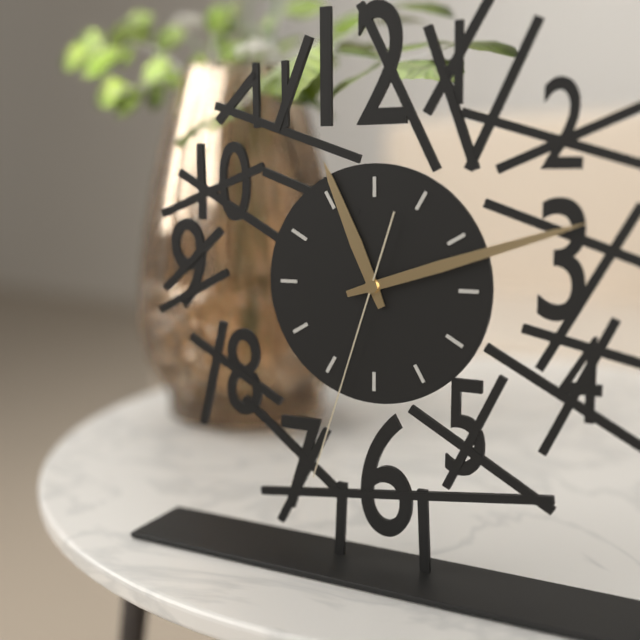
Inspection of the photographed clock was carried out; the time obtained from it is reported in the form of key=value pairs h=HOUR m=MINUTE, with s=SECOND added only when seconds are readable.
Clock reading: h=11 m=12 s=33
